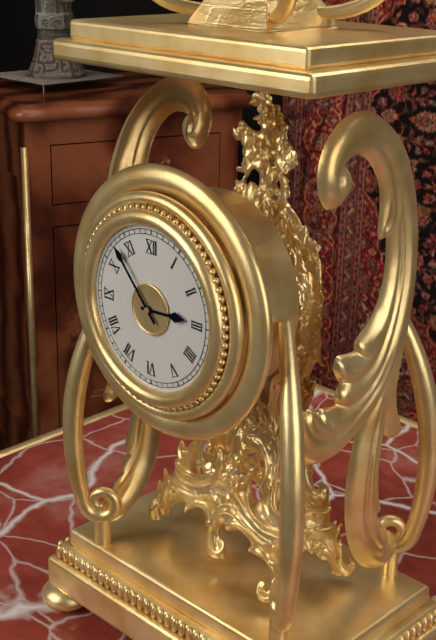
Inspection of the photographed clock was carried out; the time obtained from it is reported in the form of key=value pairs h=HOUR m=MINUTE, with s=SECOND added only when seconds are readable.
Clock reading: h=2 m=53
